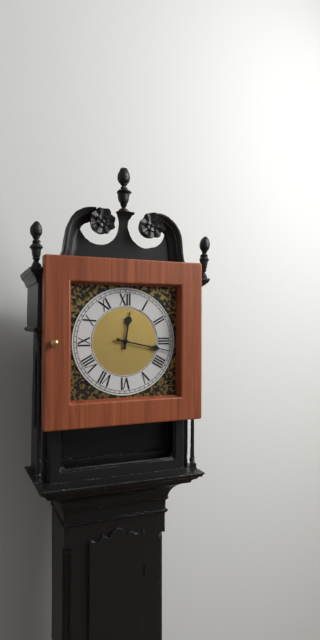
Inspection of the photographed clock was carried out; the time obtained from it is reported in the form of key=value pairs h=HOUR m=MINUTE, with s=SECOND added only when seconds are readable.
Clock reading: h=12 m=17
